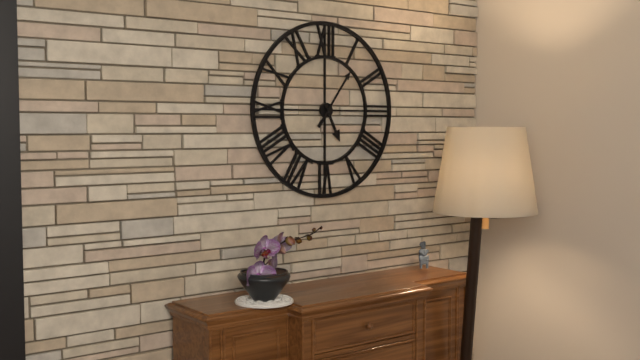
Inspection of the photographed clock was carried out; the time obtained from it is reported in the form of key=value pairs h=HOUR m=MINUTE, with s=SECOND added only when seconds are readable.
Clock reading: h=5 m=6
